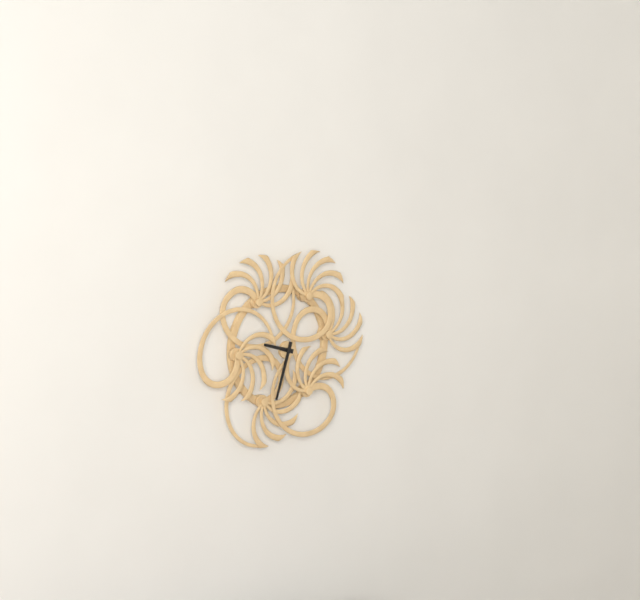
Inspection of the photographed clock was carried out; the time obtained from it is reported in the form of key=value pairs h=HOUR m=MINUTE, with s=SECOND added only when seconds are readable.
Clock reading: h=9 m=33
